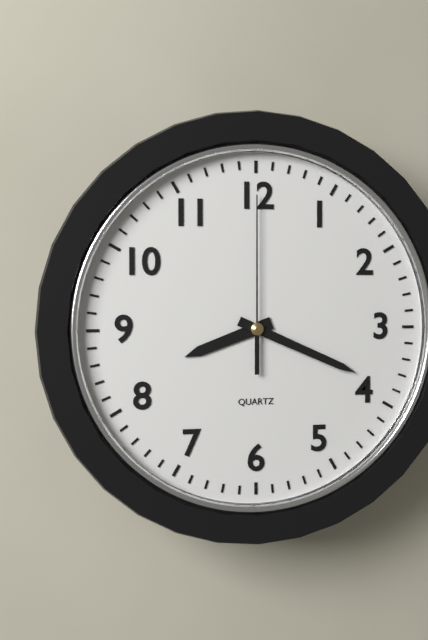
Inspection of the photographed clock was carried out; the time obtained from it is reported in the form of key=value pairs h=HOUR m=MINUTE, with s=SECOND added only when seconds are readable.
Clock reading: h=8 m=19 s=0
